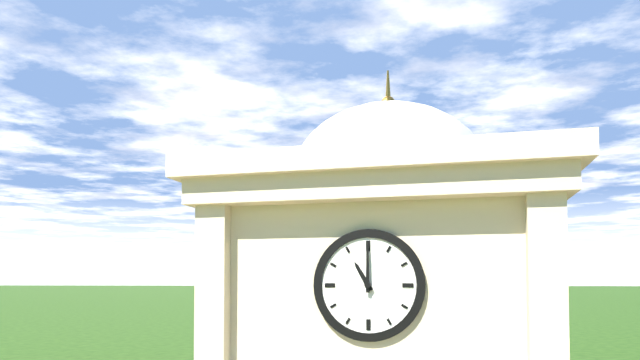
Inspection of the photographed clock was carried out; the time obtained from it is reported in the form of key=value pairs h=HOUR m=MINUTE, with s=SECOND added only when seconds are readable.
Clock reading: h=11 m=0
